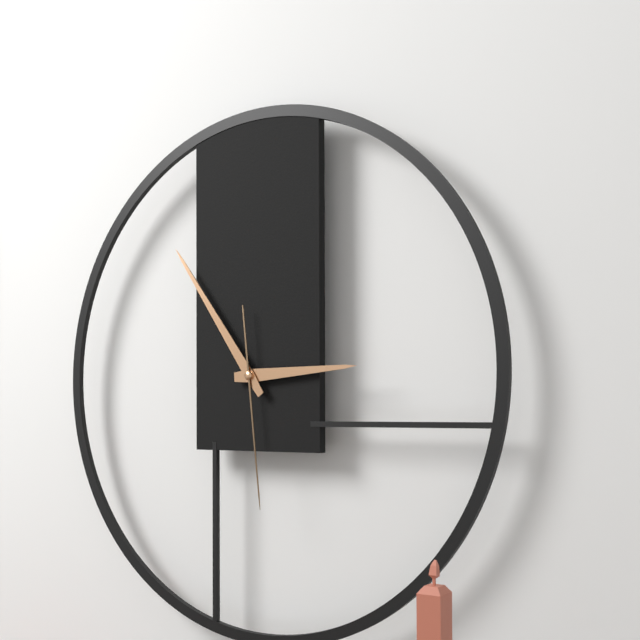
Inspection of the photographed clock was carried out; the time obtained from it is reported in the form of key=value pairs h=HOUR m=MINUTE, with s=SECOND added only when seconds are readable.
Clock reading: h=2 m=54 s=29
